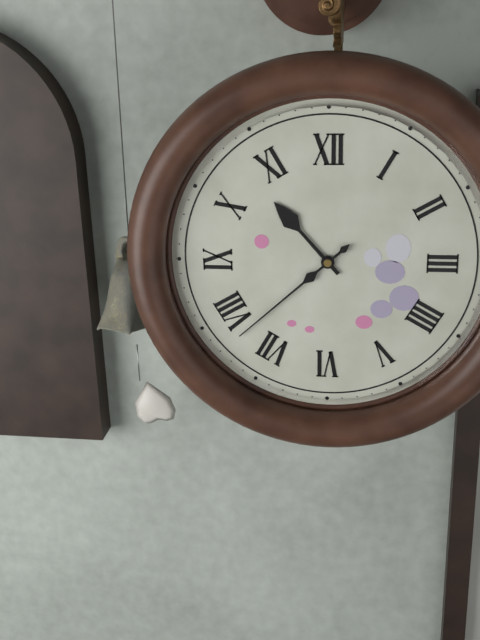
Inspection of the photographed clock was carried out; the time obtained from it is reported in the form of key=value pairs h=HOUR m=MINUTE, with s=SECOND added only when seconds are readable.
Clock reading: h=10 m=38
